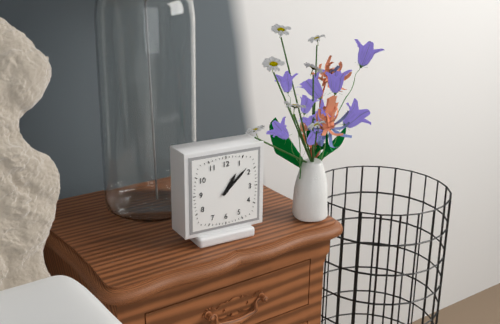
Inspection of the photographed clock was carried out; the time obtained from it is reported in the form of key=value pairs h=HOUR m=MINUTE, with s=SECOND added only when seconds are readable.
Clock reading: h=1 m=8
